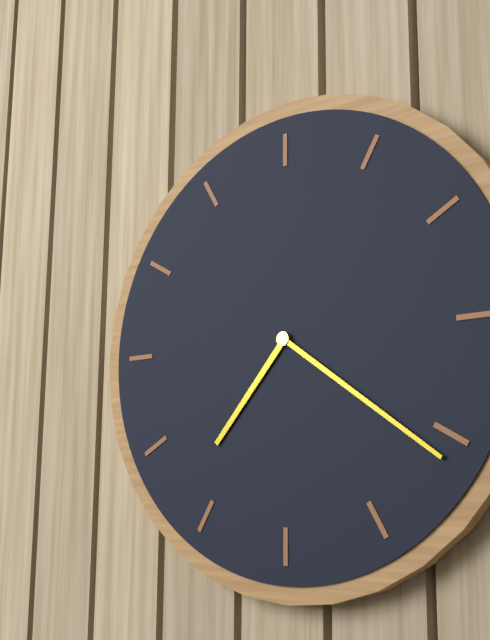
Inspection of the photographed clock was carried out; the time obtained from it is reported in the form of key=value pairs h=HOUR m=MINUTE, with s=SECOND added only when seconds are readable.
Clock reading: h=7 m=21
